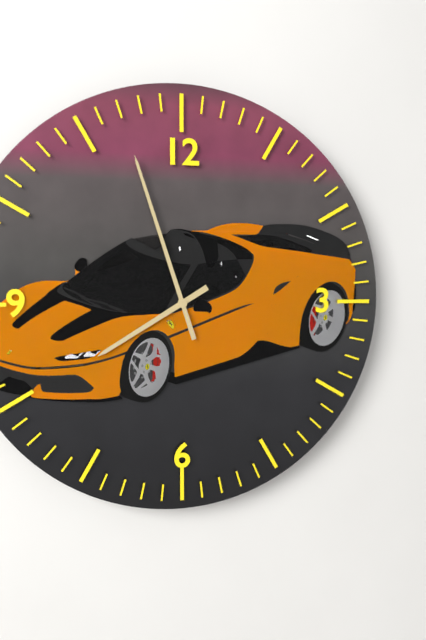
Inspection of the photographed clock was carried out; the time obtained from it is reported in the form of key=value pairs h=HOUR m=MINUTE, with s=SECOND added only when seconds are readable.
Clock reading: h=7 m=57
